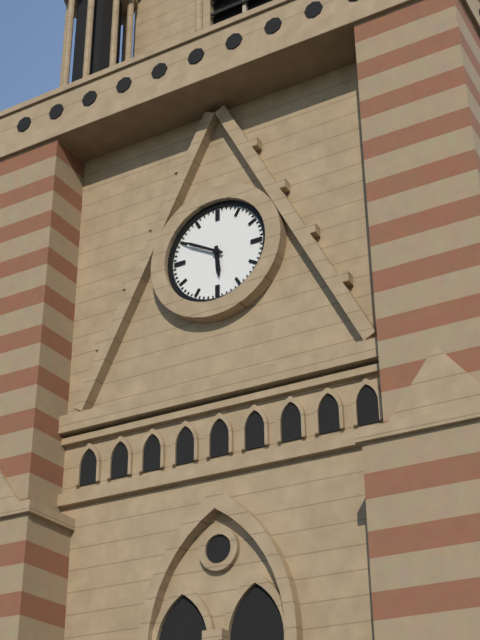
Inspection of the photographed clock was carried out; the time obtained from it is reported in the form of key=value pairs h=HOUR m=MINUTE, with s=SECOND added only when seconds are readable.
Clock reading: h=5 m=50
